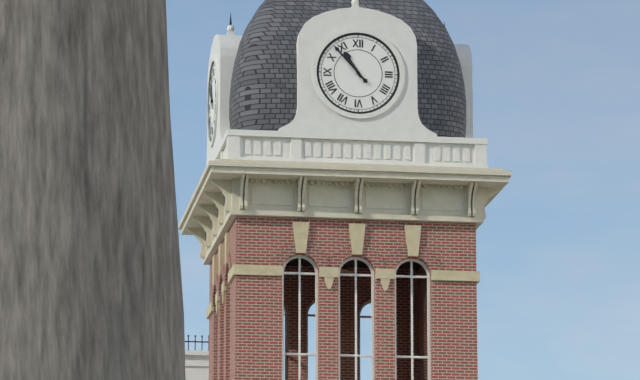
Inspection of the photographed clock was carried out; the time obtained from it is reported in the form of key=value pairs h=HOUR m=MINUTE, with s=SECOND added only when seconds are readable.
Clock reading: h=10 m=53
